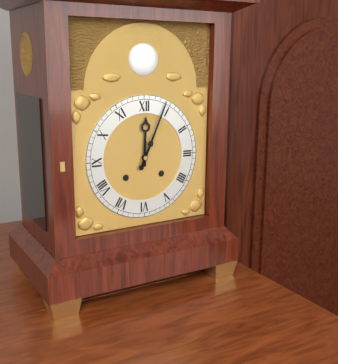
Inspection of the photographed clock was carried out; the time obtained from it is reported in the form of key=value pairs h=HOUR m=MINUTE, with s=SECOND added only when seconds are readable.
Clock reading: h=12 m=4
